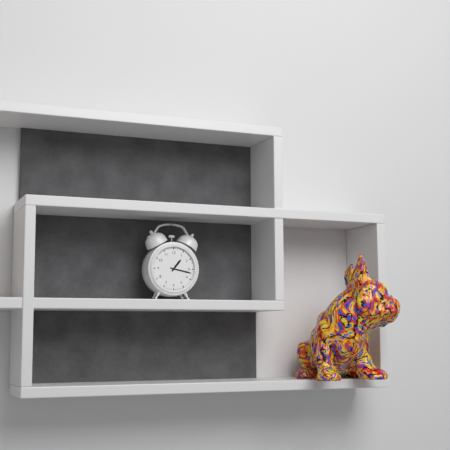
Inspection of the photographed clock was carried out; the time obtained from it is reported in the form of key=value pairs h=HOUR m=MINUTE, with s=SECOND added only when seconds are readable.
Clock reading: h=1 m=17
